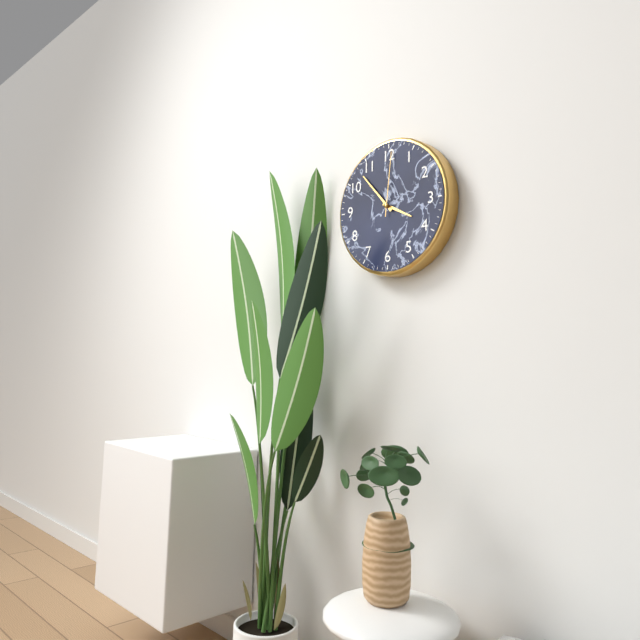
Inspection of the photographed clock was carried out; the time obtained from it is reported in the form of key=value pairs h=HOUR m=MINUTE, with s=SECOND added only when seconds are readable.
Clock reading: h=3 m=53 s=1
